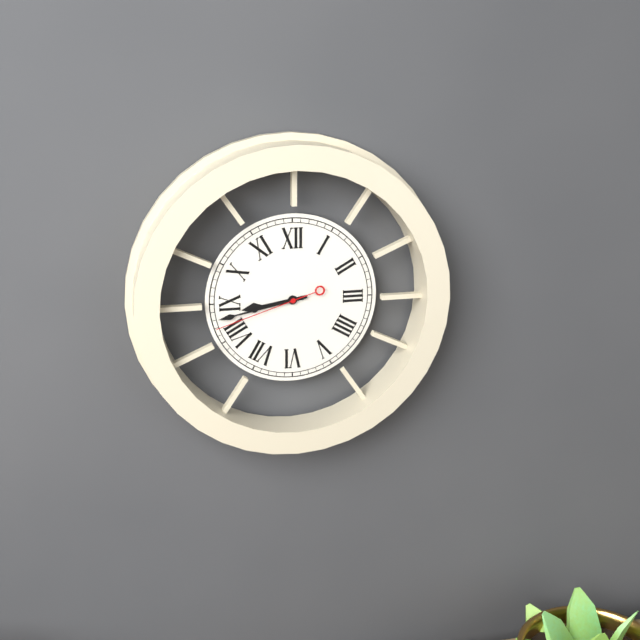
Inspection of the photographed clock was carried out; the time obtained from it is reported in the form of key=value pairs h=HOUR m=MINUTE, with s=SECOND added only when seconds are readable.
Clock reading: h=8 m=43 s=42
